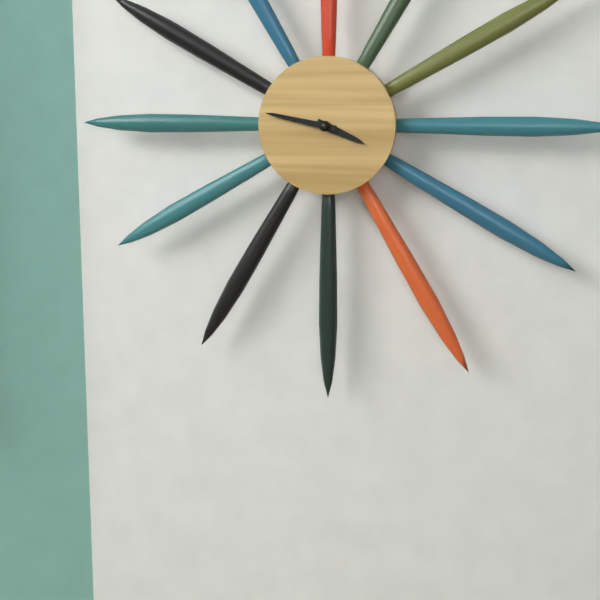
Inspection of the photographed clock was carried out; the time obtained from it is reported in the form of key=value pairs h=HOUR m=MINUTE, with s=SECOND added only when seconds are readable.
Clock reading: h=3 m=47
